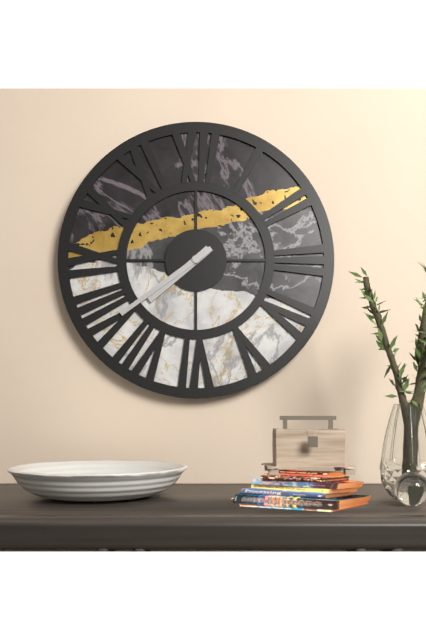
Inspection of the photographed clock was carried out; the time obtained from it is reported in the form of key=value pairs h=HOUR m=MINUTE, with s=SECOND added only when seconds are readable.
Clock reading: h=7 m=39
